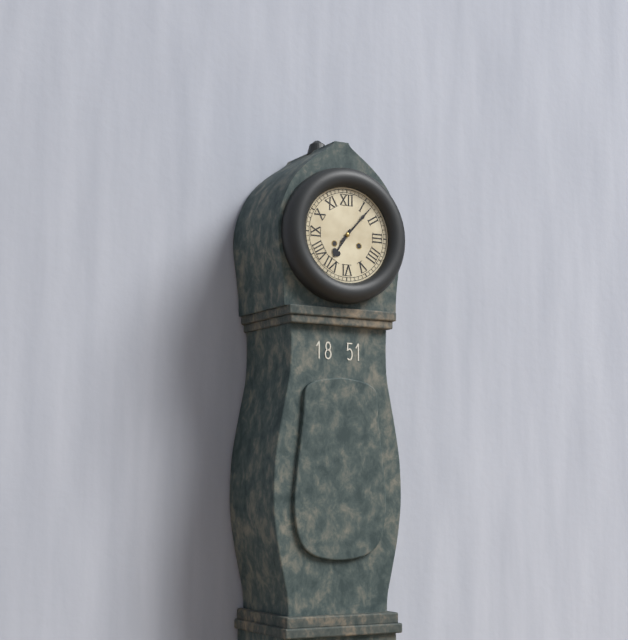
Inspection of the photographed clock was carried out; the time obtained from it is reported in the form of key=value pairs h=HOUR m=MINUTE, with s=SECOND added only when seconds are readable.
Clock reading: h=7 m=7
